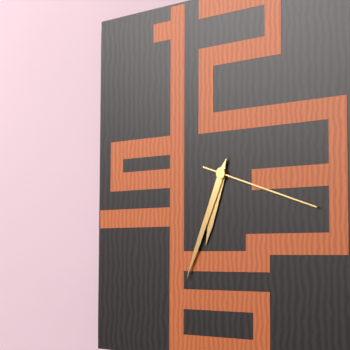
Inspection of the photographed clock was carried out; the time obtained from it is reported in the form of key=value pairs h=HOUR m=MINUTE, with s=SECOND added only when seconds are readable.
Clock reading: h=6 m=34 s=18
